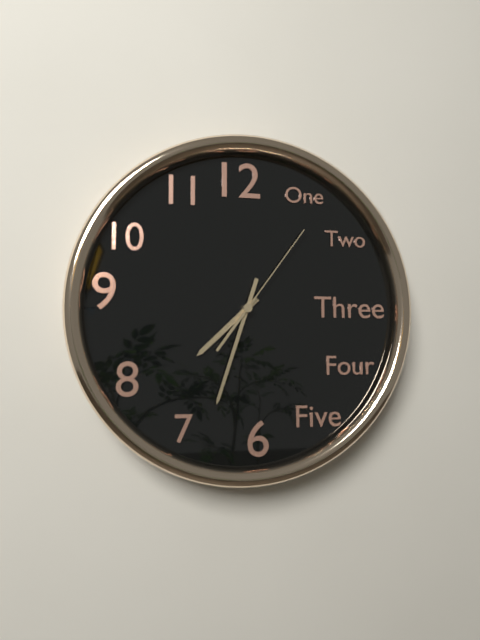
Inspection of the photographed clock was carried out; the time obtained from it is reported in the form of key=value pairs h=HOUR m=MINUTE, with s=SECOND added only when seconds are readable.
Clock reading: h=7 m=33 s=6
